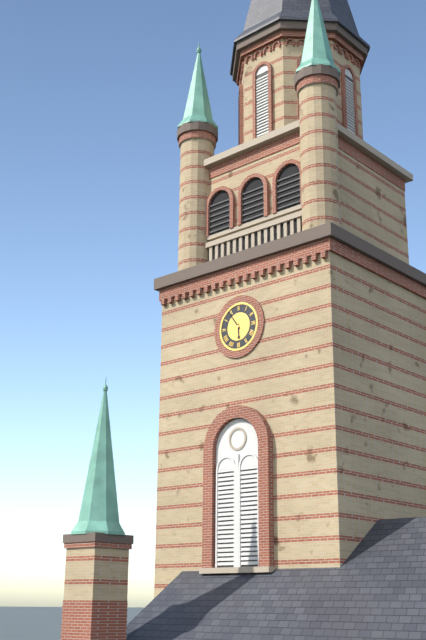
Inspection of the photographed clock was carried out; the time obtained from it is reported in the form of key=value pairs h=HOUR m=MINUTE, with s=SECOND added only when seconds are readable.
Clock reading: h=5 m=54
